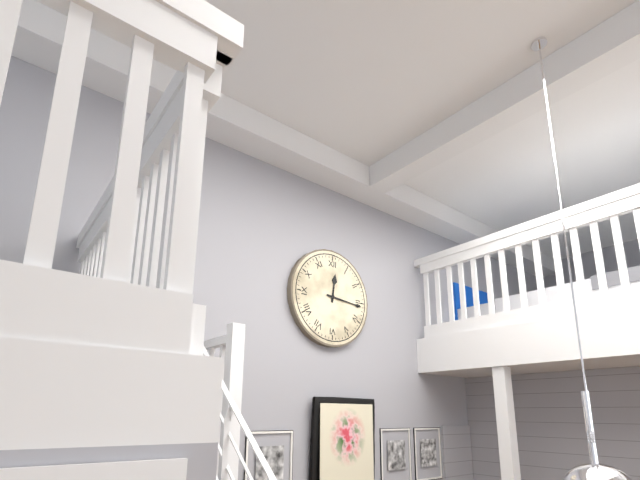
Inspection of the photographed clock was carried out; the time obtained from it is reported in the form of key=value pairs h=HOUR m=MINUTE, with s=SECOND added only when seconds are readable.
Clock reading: h=12 m=16
